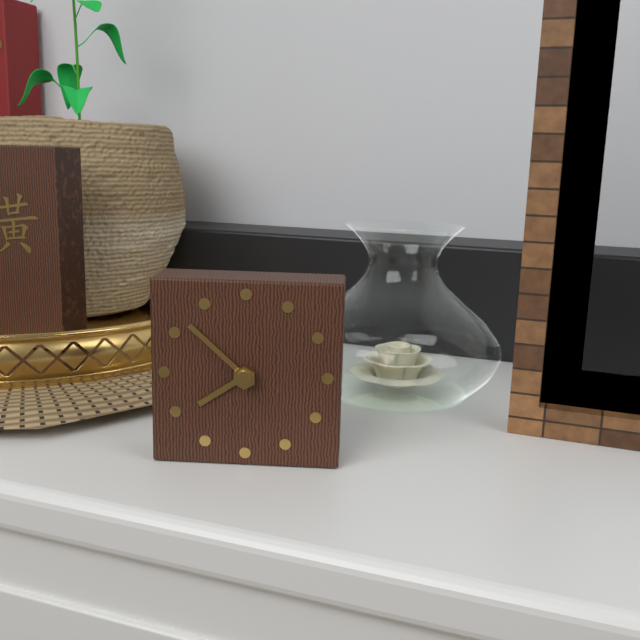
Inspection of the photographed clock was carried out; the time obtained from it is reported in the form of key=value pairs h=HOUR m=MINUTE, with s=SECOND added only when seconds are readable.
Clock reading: h=7 m=52
